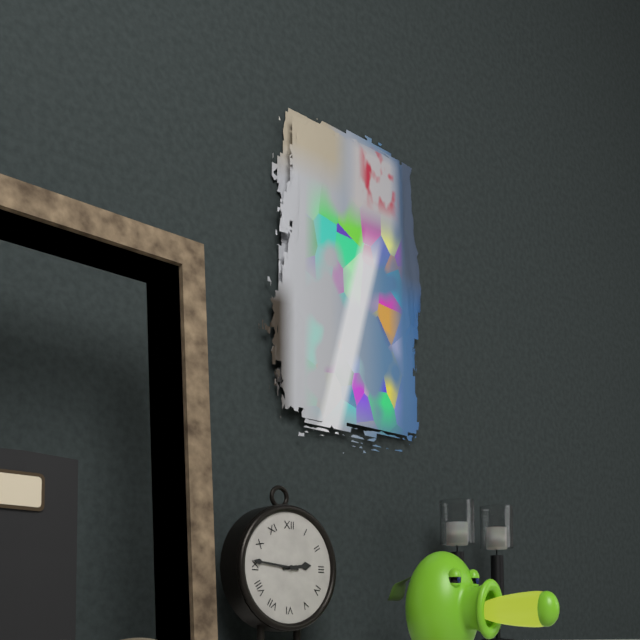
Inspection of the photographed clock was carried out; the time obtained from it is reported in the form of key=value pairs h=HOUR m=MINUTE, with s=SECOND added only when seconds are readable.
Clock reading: h=2 m=46
